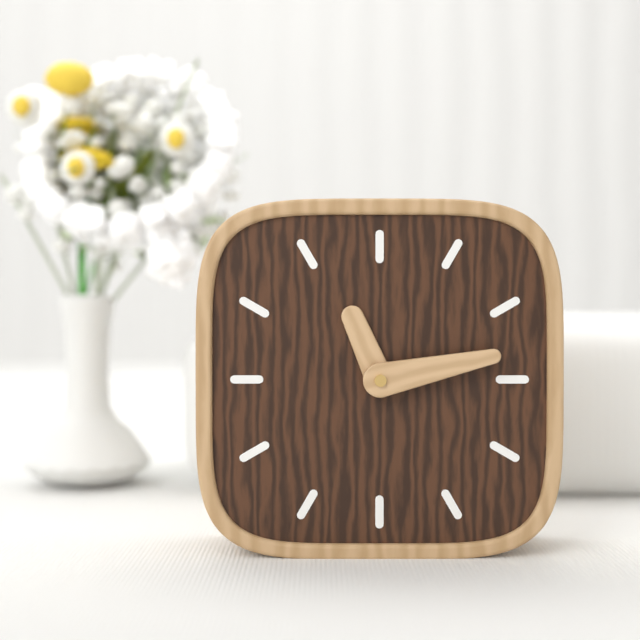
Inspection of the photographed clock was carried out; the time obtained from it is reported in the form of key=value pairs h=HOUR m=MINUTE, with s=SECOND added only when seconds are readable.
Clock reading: h=11 m=13
